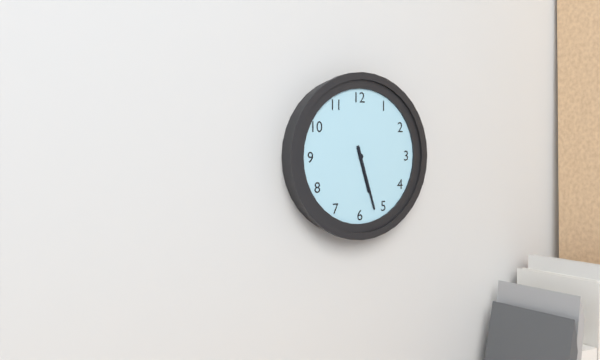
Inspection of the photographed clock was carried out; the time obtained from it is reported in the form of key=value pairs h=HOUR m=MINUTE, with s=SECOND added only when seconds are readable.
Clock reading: h=5 m=27
